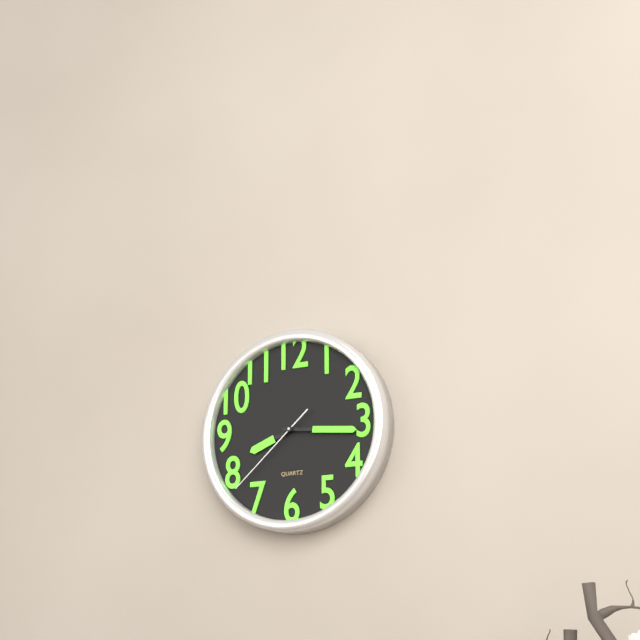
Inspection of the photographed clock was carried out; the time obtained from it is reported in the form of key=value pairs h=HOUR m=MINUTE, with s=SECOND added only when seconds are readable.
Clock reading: h=8 m=16 s=38
